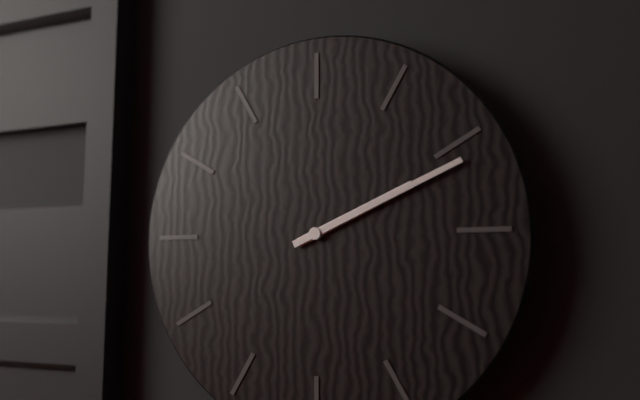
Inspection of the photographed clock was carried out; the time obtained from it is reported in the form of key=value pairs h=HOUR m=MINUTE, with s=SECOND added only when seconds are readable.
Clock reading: h=2 m=11
